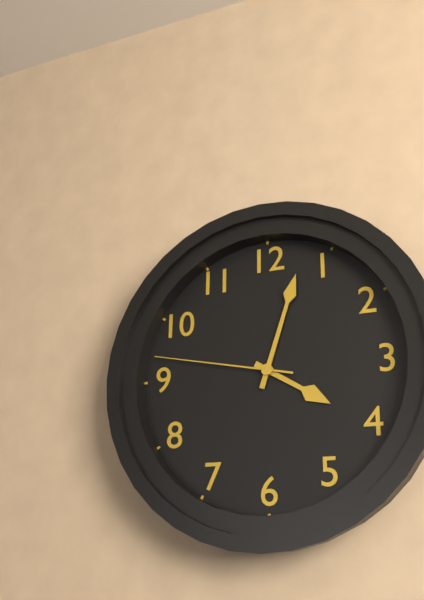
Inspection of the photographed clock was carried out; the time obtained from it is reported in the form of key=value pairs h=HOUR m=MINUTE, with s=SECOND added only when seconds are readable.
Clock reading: h=4 m=3 s=47
